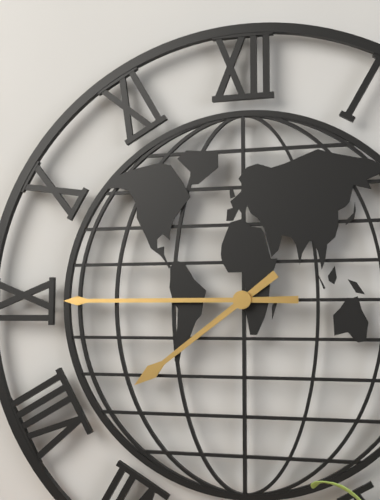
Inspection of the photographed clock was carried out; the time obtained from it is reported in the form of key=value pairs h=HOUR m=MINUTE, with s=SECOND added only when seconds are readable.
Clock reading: h=7 m=45
